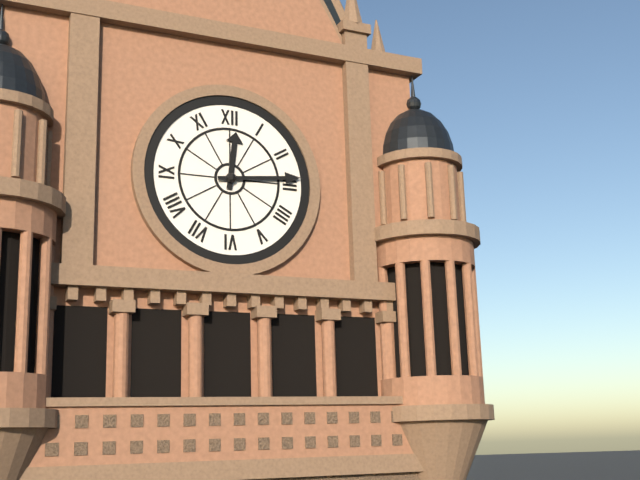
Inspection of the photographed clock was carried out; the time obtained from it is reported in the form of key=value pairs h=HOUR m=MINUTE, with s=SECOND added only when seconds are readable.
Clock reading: h=12 m=14
